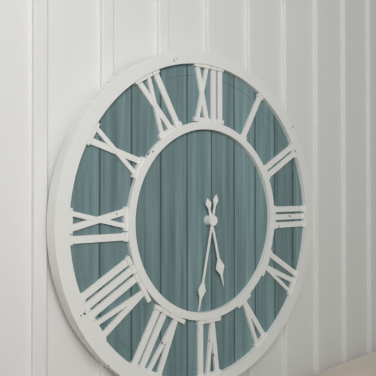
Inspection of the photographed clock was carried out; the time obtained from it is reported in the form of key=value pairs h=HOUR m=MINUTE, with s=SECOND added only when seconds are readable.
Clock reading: h=5 m=32
